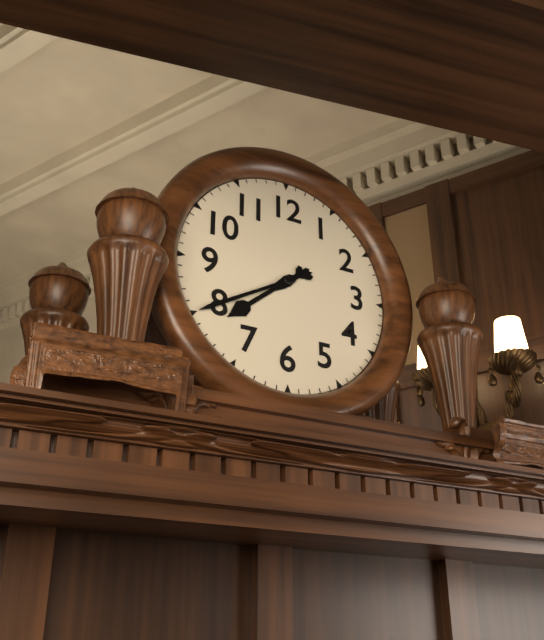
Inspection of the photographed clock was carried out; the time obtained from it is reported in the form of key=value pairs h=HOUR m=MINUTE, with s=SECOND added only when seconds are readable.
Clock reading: h=7 m=40
